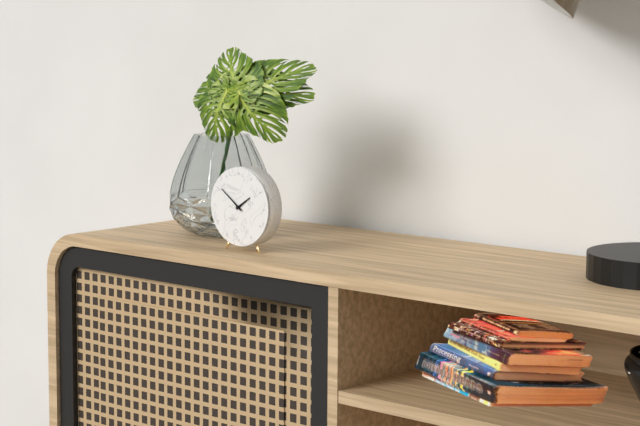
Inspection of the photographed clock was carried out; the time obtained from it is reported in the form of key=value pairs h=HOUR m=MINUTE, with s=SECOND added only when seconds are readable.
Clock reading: h=1 m=51
